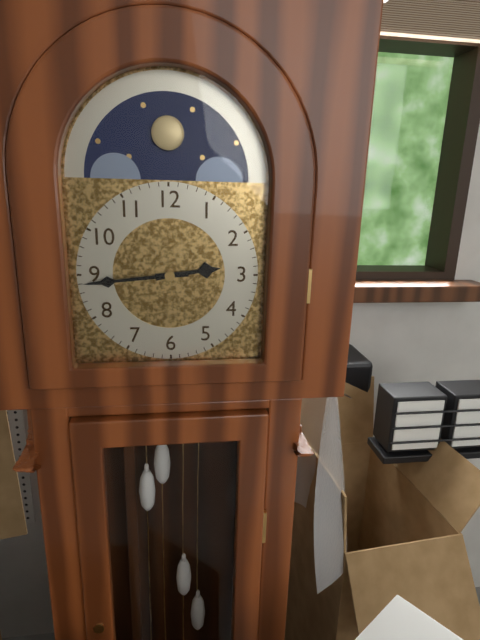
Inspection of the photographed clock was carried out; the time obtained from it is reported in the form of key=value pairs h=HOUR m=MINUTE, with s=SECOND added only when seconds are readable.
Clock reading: h=2 m=44
